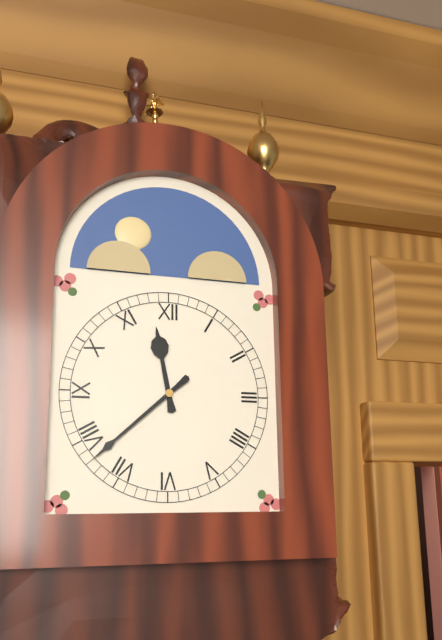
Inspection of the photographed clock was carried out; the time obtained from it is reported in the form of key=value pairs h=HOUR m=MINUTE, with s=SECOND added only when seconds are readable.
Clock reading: h=11 m=38
